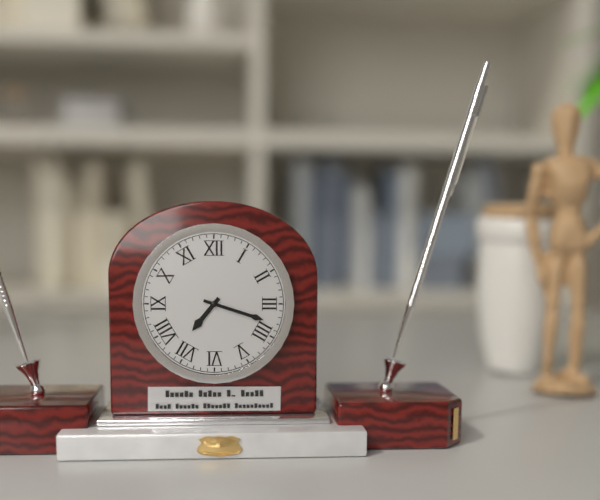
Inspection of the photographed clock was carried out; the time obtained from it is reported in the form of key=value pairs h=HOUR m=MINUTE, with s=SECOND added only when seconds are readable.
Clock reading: h=7 m=18
